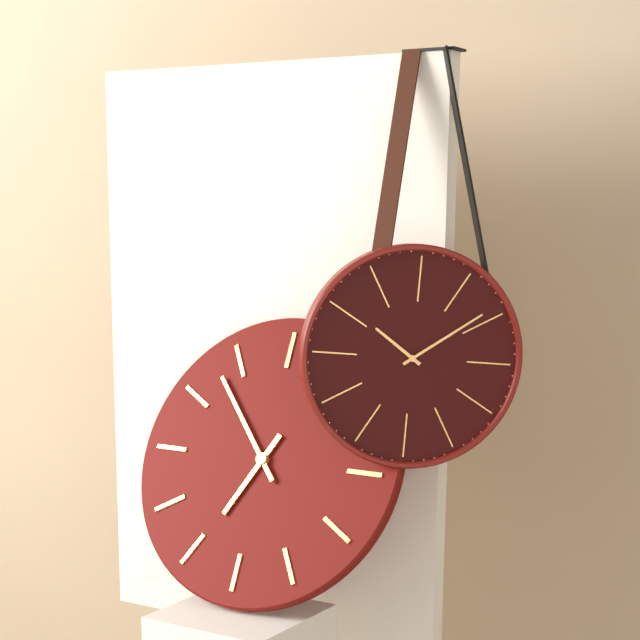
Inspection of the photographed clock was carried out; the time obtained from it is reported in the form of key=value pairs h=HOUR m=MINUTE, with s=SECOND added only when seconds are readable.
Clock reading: h=6 m=53
